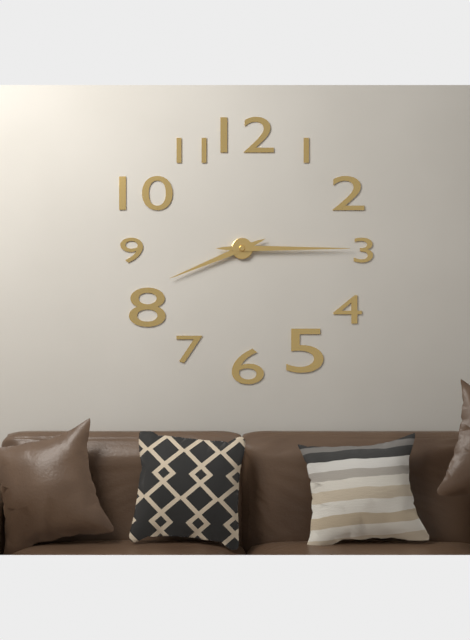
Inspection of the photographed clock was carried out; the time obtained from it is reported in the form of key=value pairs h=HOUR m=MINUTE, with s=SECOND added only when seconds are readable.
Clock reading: h=8 m=15
